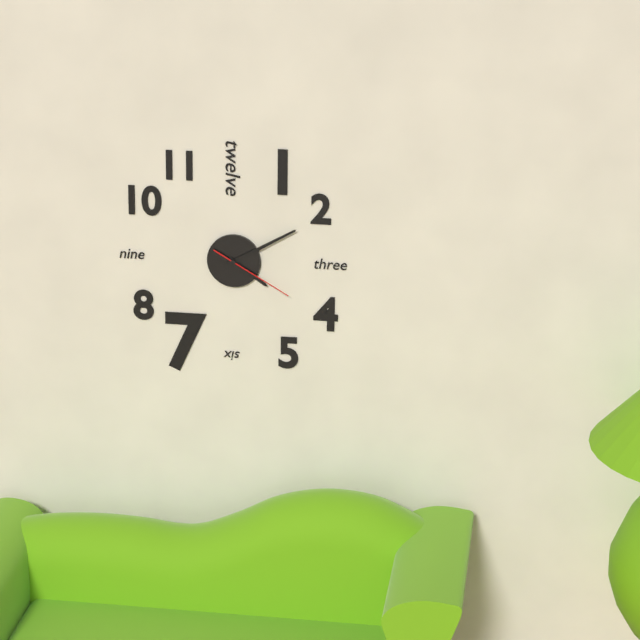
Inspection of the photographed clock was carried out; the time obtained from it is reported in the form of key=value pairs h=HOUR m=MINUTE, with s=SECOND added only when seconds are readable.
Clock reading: h=4 m=10 s=20
